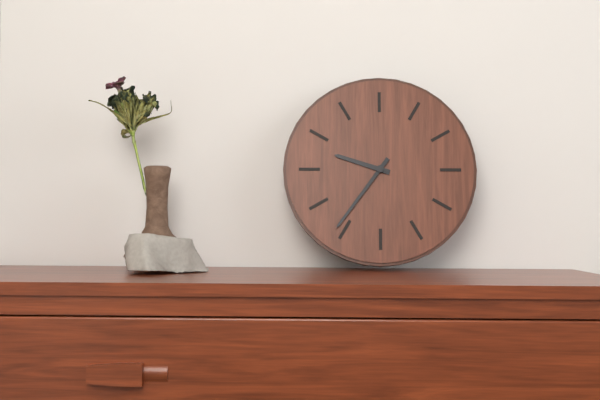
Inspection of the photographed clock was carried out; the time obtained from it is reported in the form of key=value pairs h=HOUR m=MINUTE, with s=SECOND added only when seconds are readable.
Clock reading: h=9 m=36
